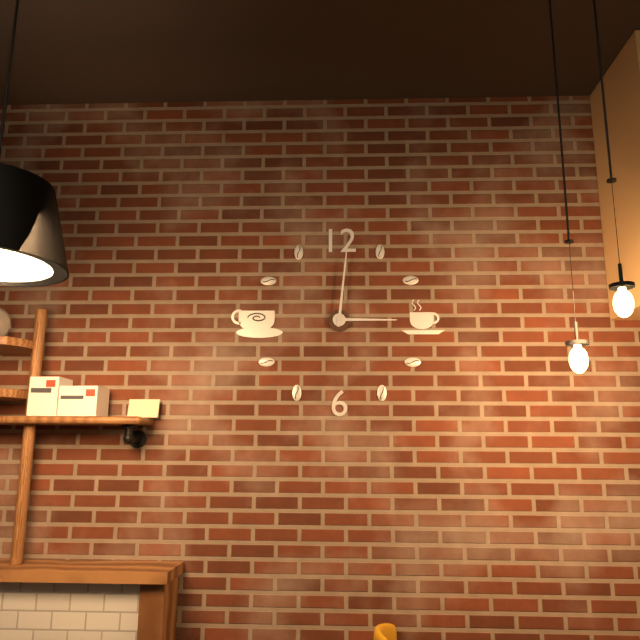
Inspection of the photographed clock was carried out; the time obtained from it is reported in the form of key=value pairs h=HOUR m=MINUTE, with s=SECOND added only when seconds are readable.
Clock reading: h=3 m=1
